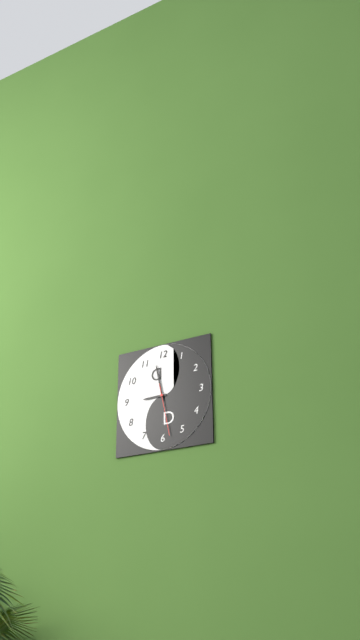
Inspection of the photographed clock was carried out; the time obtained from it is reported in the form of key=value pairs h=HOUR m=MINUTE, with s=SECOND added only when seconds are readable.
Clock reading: h=8 m=58 s=28
